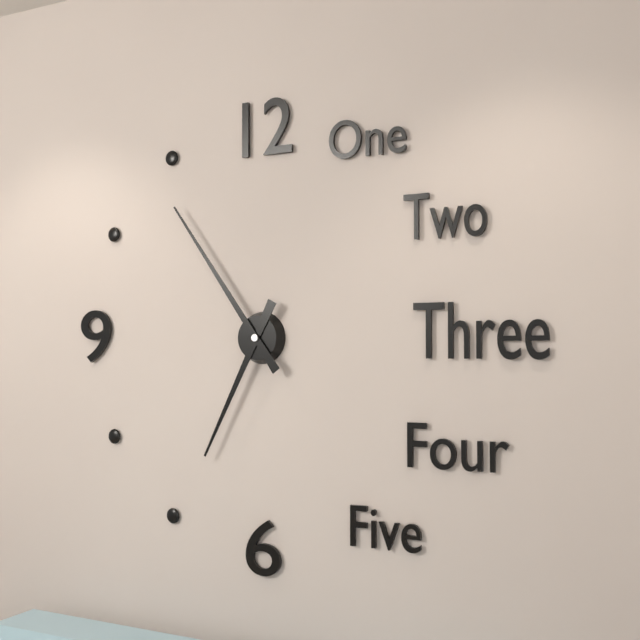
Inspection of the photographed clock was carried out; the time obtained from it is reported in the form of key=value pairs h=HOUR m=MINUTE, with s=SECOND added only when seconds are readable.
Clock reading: h=6 m=54
